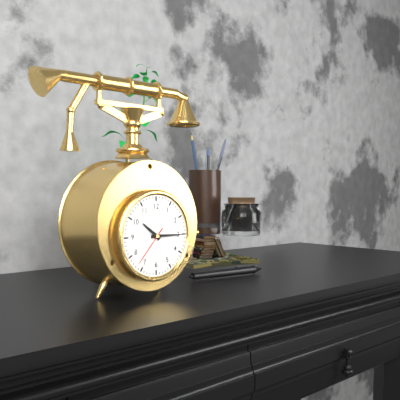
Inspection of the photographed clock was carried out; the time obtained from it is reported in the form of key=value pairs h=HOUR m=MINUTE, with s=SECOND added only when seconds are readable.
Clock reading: h=10 m=15
